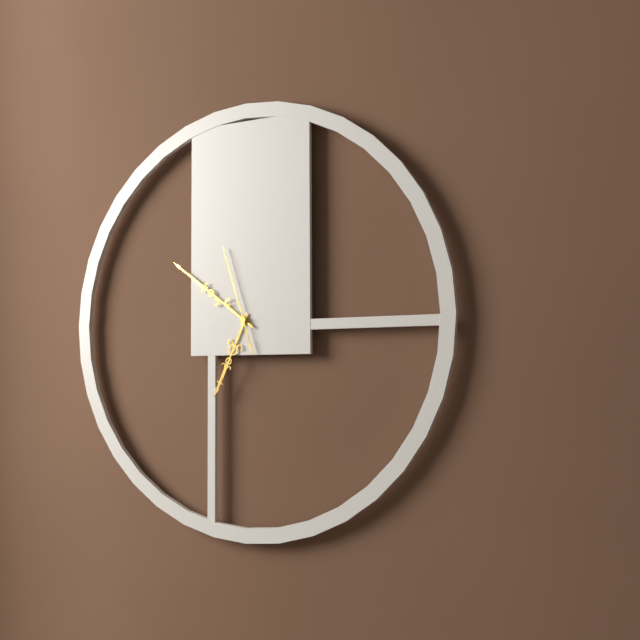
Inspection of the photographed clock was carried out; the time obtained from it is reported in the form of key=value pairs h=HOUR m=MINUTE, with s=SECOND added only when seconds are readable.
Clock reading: h=6 m=51 s=57
